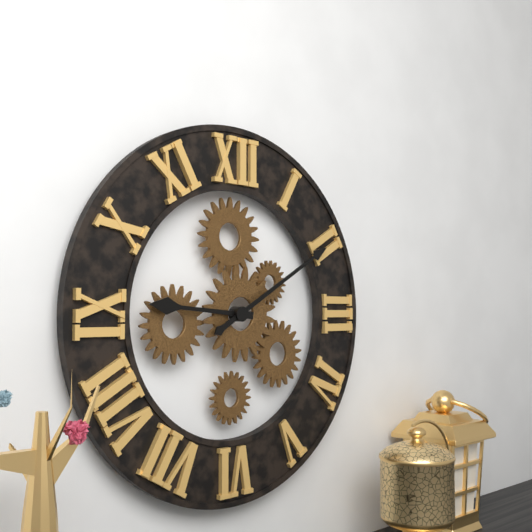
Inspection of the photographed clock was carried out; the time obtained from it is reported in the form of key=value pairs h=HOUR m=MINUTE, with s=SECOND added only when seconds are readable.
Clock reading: h=9 m=10
